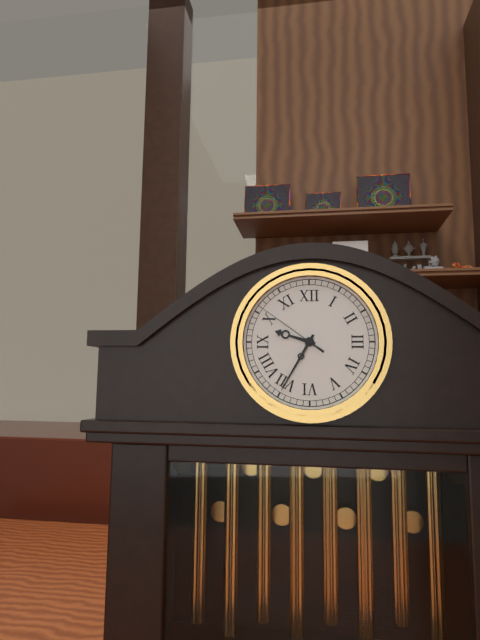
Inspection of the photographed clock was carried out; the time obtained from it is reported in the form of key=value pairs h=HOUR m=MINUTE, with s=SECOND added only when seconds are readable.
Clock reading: h=9 m=35 s=51
